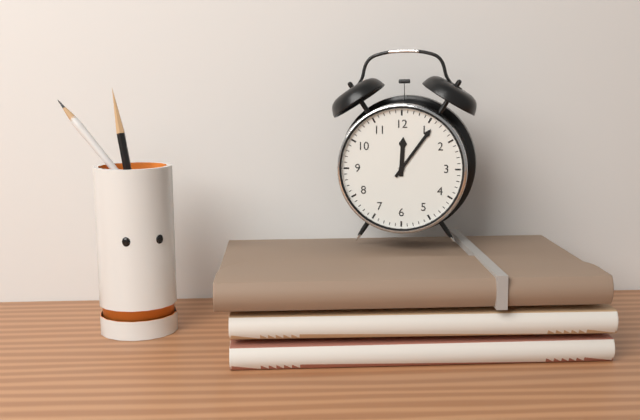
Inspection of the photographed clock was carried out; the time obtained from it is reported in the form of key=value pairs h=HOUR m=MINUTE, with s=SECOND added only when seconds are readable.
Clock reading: h=12 m=6
